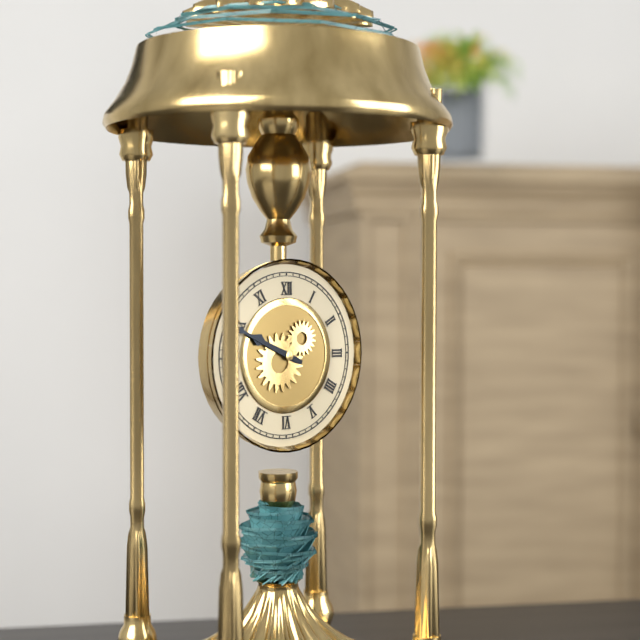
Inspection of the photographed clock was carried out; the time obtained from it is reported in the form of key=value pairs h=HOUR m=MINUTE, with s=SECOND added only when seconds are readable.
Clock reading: h=9 m=49
